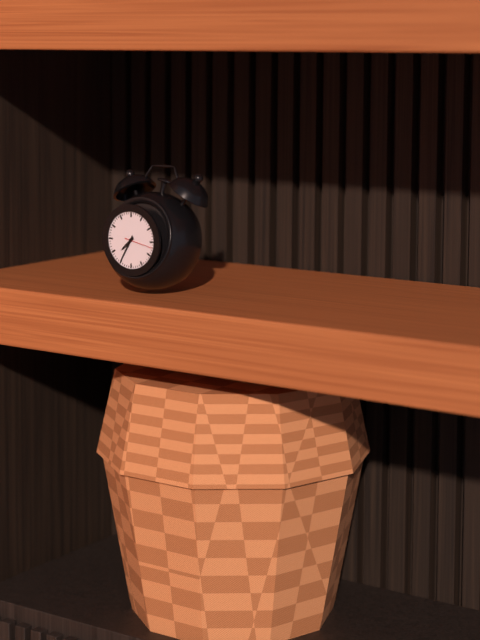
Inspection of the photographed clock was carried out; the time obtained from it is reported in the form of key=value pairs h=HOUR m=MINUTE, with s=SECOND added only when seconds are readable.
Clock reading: h=7 m=35
